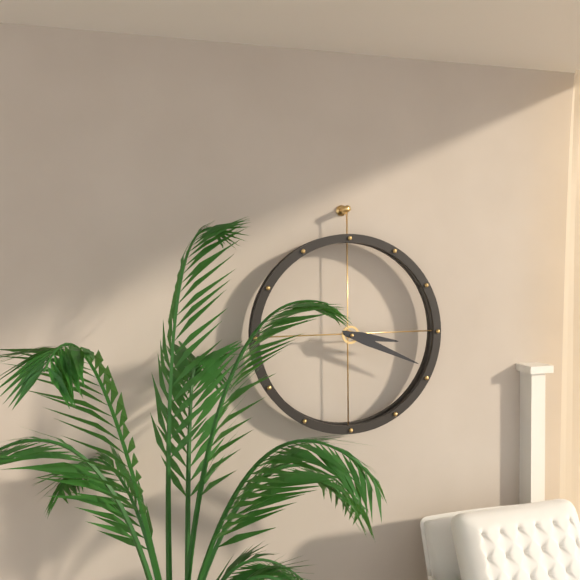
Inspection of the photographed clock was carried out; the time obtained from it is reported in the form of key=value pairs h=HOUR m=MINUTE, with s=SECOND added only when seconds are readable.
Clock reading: h=3 m=19
